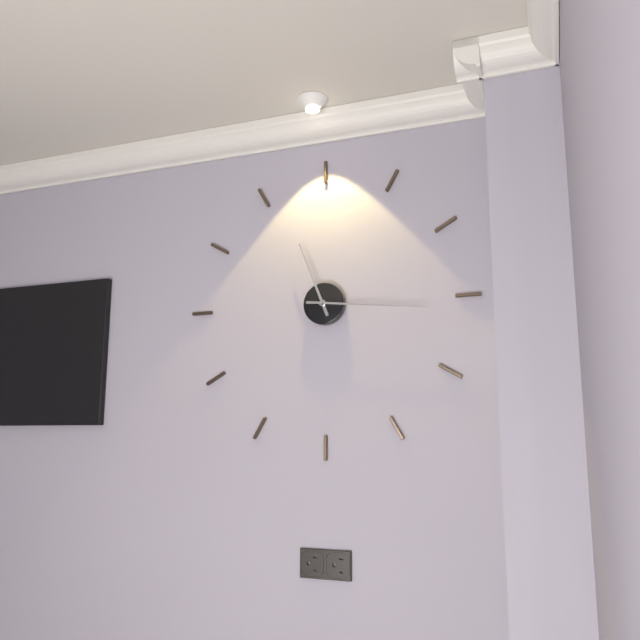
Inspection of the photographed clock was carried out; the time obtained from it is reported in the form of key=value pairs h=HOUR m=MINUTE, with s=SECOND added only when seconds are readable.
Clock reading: h=11 m=16
